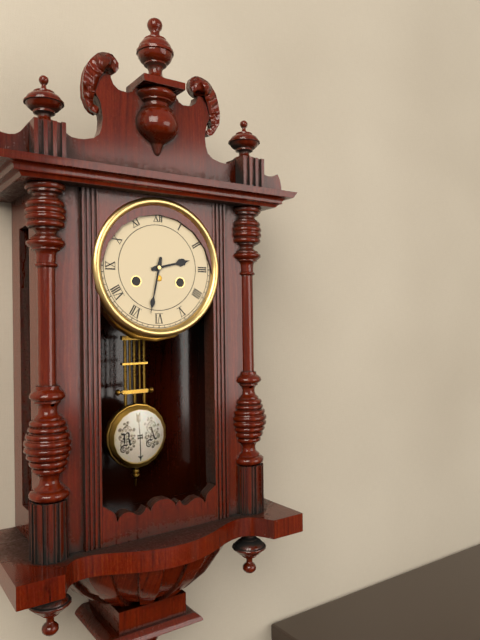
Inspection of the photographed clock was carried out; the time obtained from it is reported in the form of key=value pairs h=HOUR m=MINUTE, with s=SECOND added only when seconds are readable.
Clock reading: h=2 m=32
